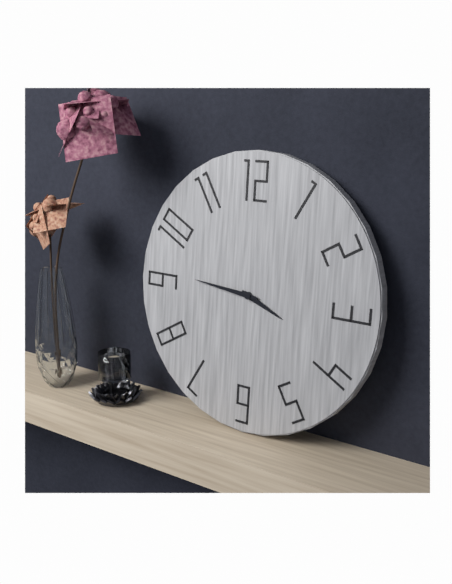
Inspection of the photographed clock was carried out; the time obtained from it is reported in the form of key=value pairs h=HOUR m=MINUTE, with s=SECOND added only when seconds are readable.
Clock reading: h=3 m=46
